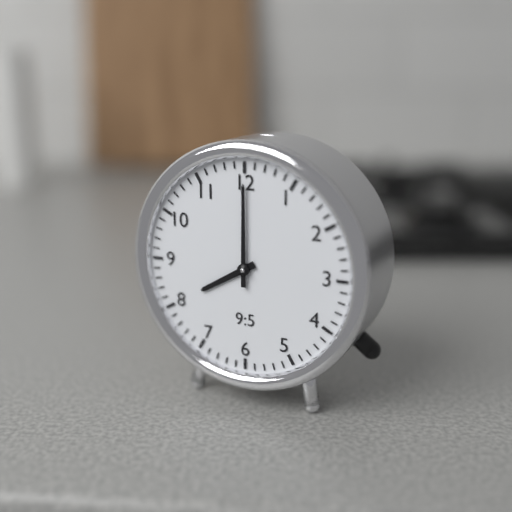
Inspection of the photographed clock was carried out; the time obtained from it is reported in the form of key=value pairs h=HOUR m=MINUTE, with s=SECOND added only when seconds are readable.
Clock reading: h=8 m=0
